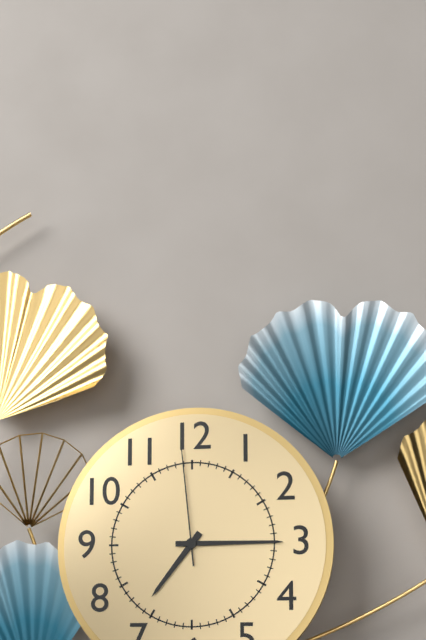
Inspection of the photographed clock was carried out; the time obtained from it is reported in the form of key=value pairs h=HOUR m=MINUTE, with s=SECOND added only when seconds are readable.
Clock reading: h=7 m=15 s=59
